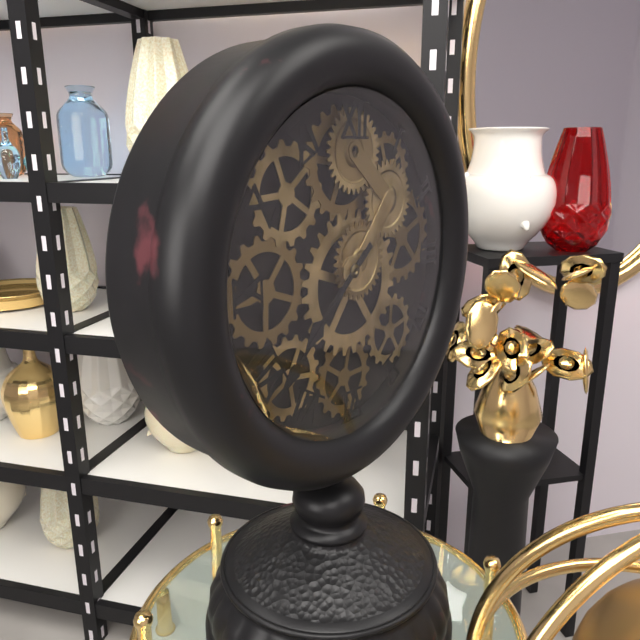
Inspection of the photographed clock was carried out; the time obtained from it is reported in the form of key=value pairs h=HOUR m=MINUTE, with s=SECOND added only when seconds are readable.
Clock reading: h=7 m=38
